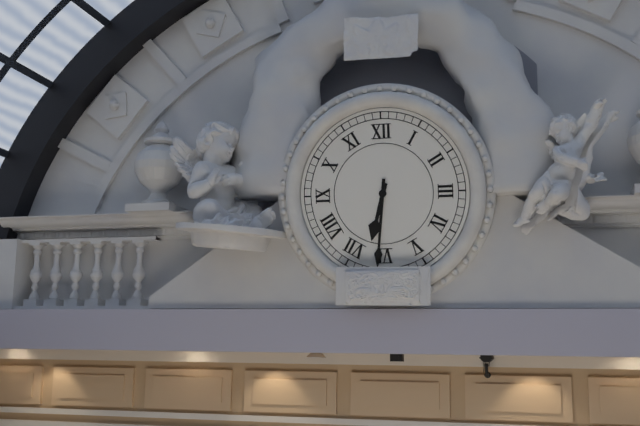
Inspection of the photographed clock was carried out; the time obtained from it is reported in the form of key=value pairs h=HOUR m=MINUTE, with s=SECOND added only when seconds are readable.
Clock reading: h=6 m=31
